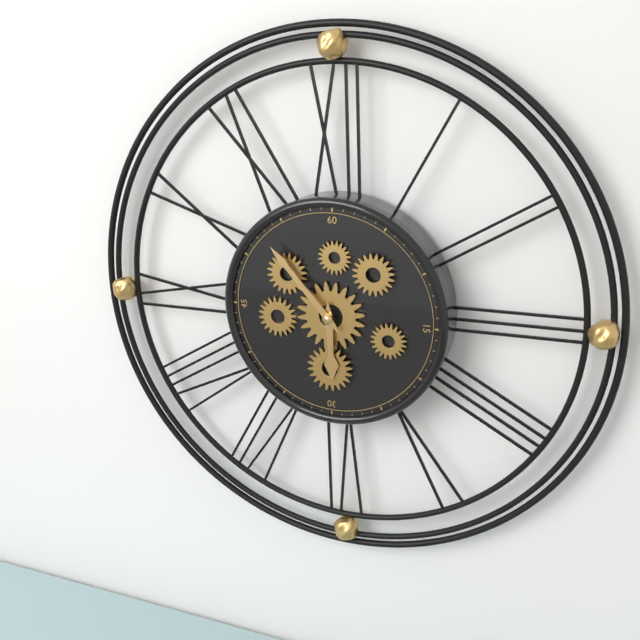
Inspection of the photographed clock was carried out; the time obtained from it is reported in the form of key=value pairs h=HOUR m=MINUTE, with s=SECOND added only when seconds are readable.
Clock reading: h=5 m=53
